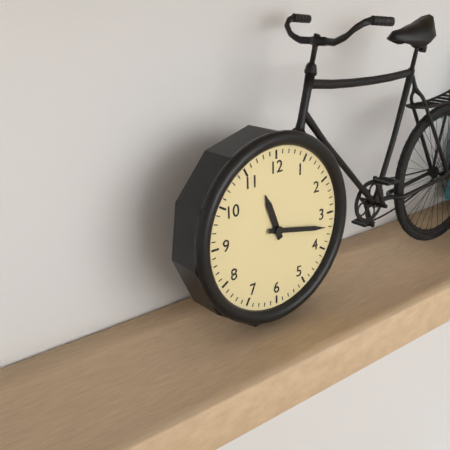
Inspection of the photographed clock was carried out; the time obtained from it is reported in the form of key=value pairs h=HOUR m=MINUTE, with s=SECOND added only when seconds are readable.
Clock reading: h=11 m=17
